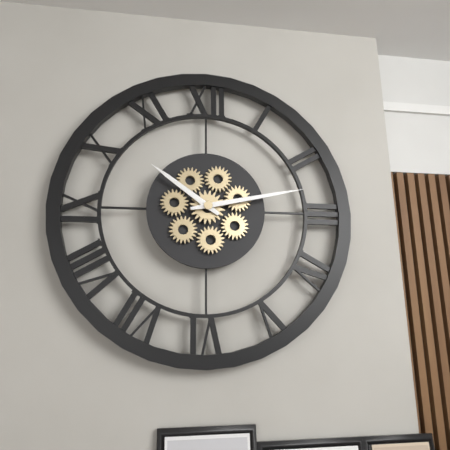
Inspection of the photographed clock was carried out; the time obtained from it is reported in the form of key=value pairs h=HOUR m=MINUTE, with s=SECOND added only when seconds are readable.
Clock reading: h=10 m=13
